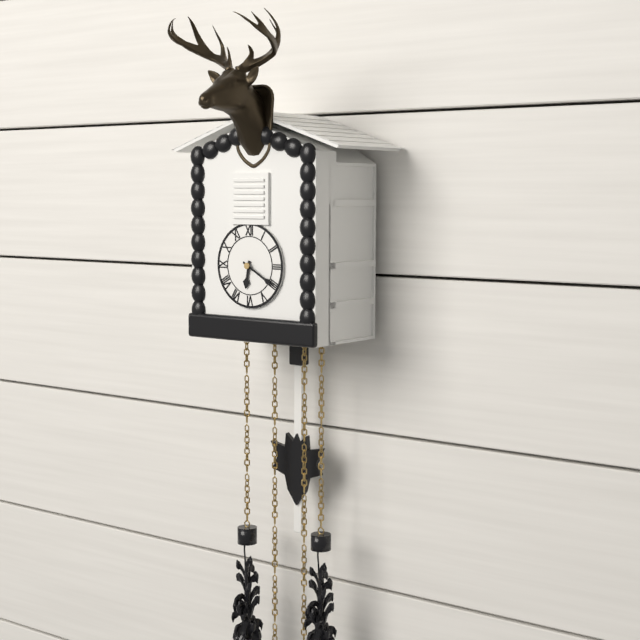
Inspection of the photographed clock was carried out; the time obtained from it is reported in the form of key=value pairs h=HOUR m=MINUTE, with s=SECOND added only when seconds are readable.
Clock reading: h=6 m=20
